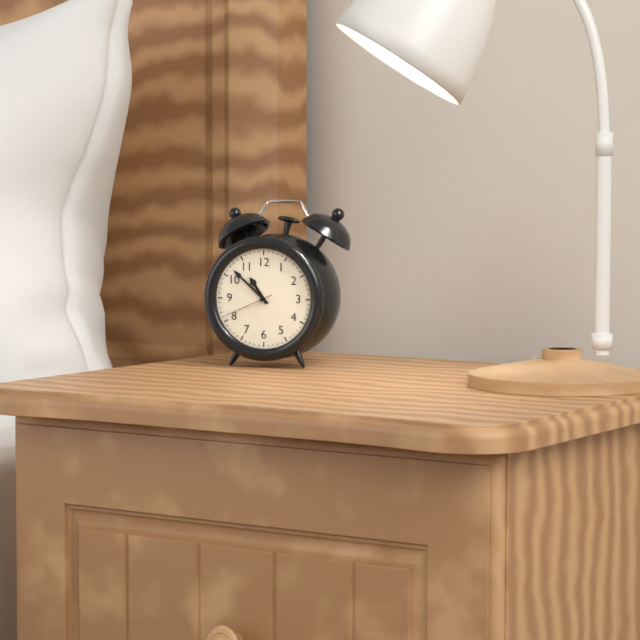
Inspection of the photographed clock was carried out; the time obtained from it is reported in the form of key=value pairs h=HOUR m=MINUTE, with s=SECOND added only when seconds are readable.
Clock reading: h=10 m=52 s=41
